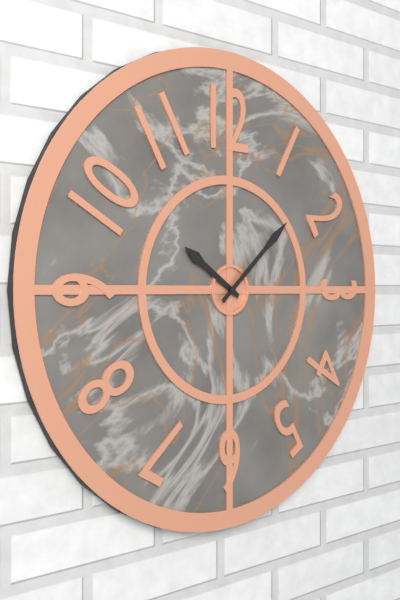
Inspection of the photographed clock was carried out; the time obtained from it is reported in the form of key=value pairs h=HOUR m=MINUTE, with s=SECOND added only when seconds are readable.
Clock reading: h=10 m=8
